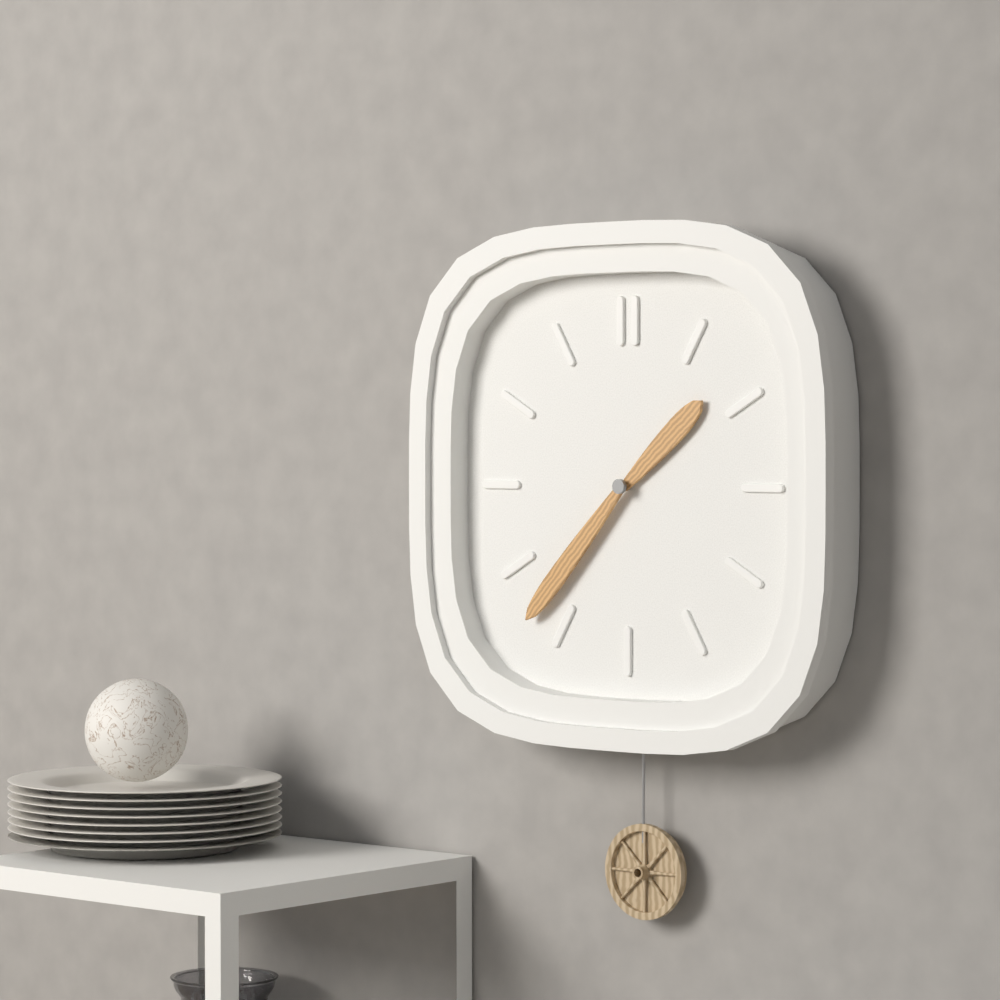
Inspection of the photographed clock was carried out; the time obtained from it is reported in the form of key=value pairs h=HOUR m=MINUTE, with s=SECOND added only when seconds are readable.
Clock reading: h=1 m=37
